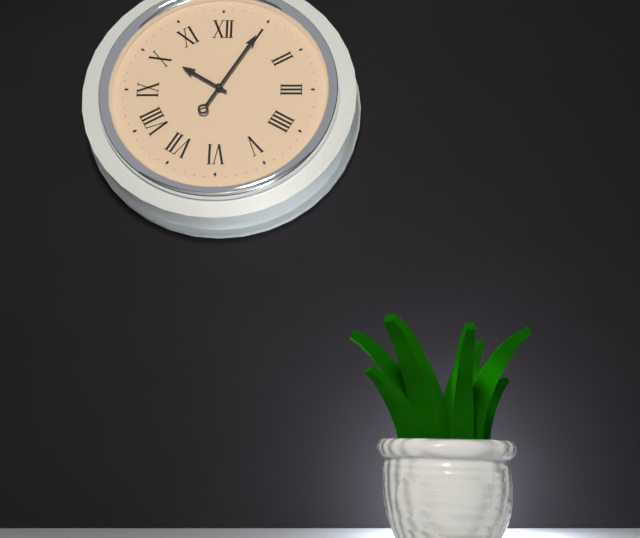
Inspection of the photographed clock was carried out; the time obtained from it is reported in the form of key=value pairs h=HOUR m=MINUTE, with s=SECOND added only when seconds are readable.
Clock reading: h=10 m=5
